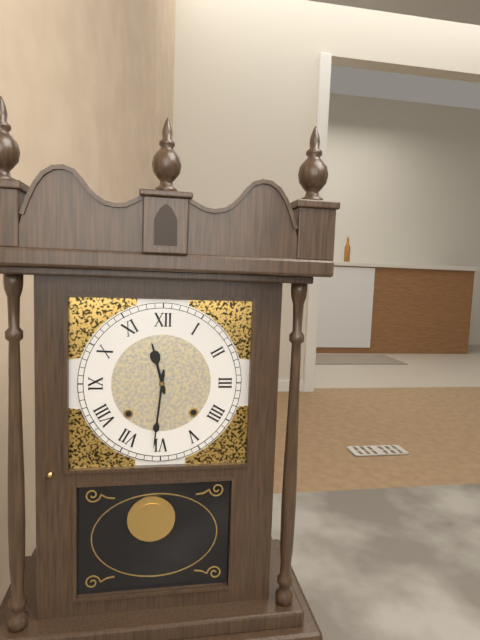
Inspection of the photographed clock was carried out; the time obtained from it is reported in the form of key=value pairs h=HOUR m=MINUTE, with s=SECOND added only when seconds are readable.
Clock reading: h=11 m=31
